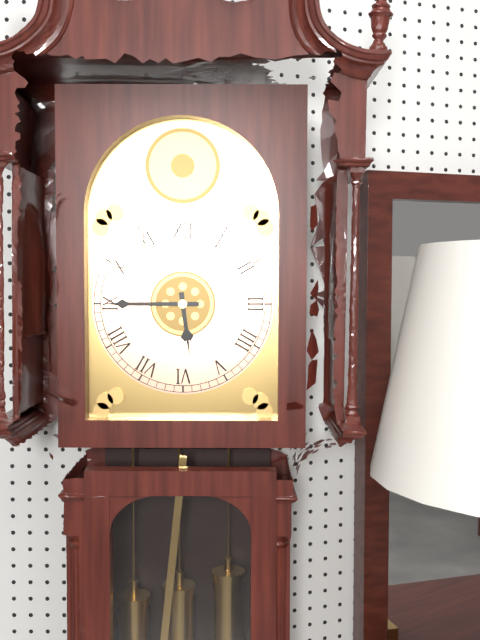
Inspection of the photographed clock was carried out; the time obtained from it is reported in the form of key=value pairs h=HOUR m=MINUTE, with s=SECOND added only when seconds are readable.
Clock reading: h=5 m=45
